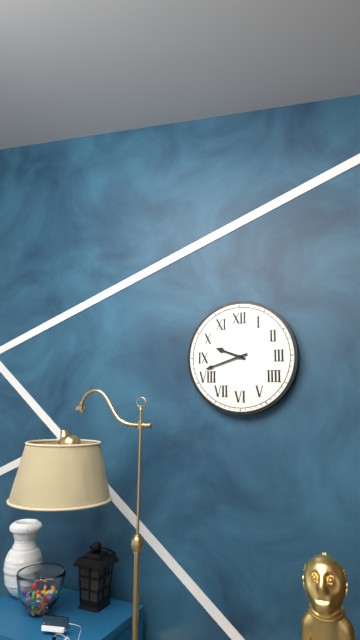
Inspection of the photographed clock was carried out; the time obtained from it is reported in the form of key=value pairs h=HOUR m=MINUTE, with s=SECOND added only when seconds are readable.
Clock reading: h=9 m=42
